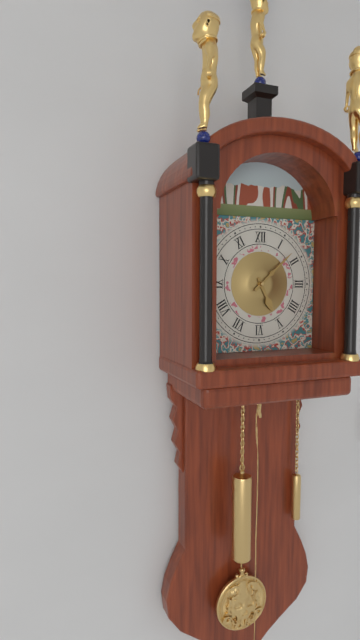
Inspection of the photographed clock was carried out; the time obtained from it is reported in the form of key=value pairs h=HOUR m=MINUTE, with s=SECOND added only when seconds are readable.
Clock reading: h=5 m=8
